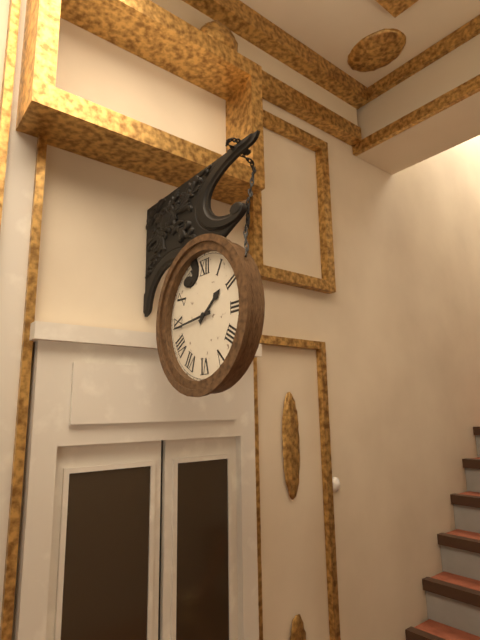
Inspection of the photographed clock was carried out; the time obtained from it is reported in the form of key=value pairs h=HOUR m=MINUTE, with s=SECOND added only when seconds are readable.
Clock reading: h=1 m=44
